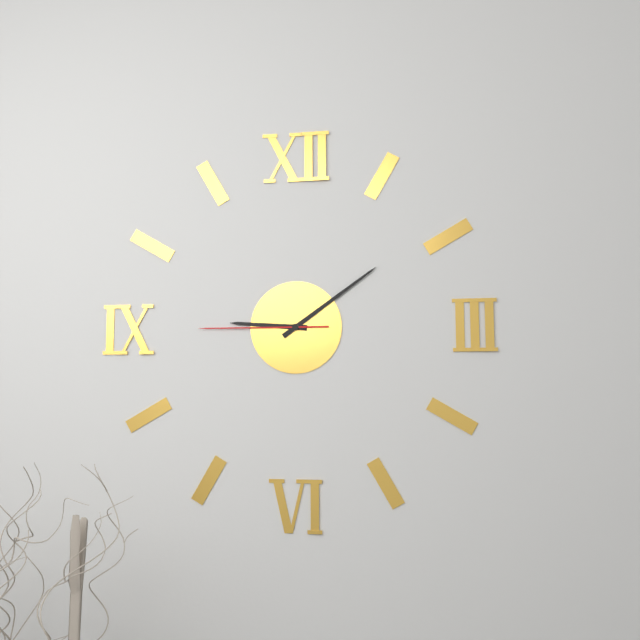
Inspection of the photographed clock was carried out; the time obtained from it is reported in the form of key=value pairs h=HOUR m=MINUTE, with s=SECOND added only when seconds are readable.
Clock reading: h=9 m=9 s=45
